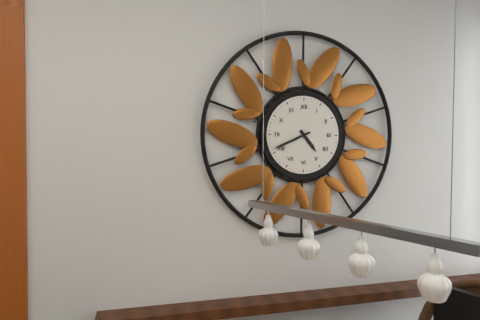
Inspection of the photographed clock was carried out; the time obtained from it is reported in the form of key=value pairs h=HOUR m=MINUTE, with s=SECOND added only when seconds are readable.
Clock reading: h=4 m=41
